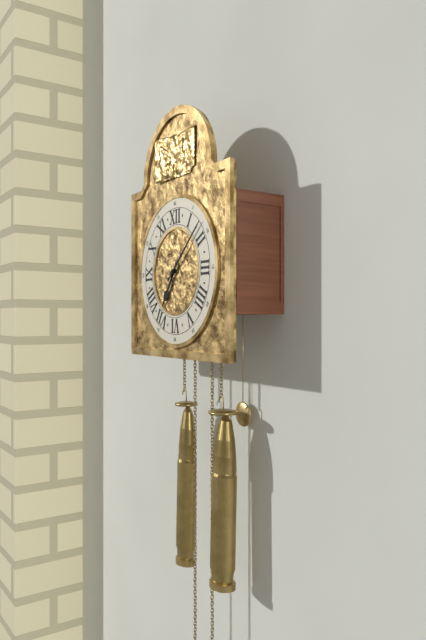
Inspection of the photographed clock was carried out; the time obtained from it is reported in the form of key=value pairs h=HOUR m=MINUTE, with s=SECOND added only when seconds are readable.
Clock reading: h=7 m=8
